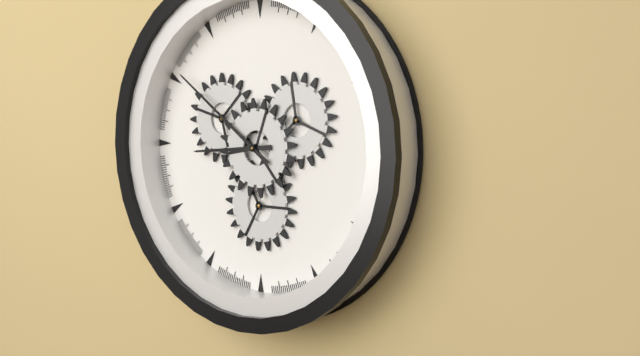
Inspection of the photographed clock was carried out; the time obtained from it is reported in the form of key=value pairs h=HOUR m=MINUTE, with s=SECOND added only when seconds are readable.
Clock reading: h=8 m=51
